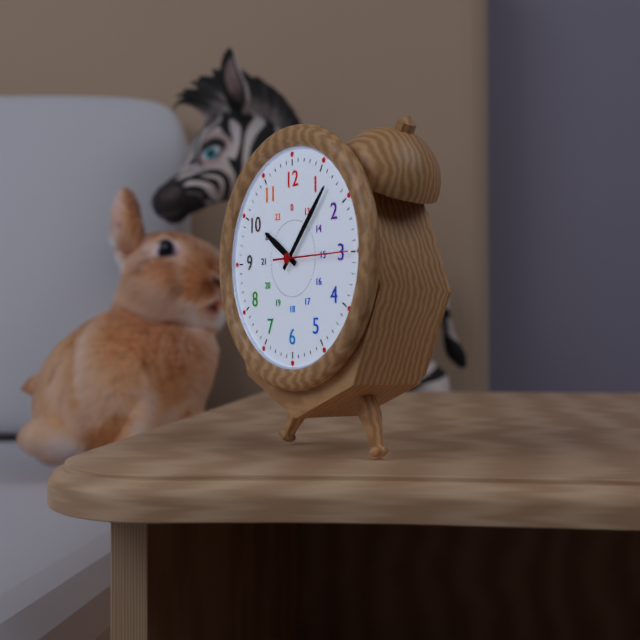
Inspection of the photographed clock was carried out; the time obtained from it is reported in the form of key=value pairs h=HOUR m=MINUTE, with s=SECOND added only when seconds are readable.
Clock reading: h=10 m=7 s=15
